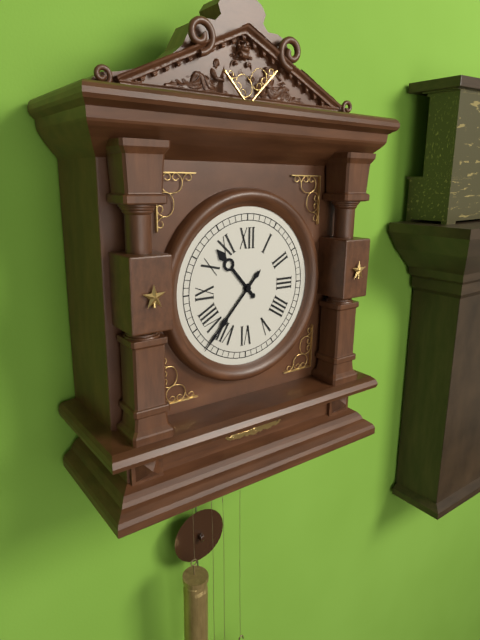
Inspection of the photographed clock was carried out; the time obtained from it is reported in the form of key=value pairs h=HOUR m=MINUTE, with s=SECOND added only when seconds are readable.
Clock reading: h=10 m=37
